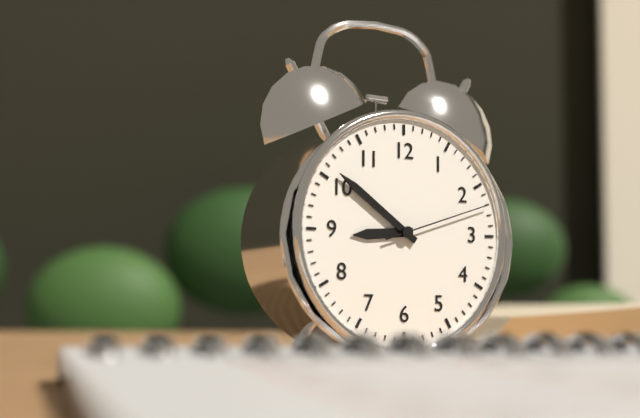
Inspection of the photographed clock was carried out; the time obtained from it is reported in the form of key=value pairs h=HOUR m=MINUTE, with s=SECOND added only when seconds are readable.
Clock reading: h=8 m=51 s=12
